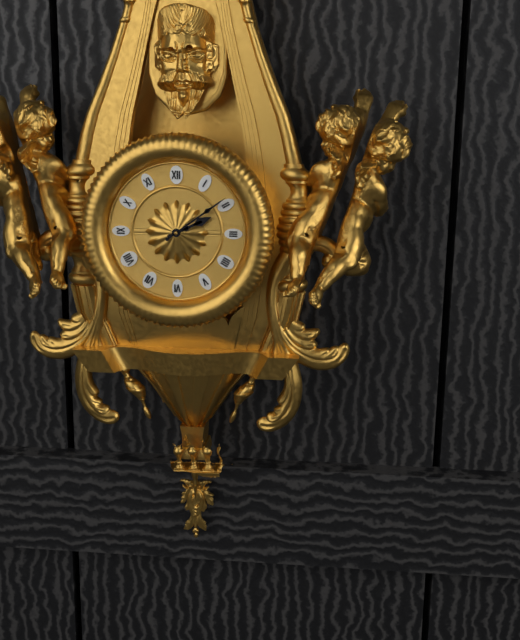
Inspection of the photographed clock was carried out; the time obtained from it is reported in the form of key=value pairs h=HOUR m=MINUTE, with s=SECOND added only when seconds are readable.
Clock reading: h=2 m=9
